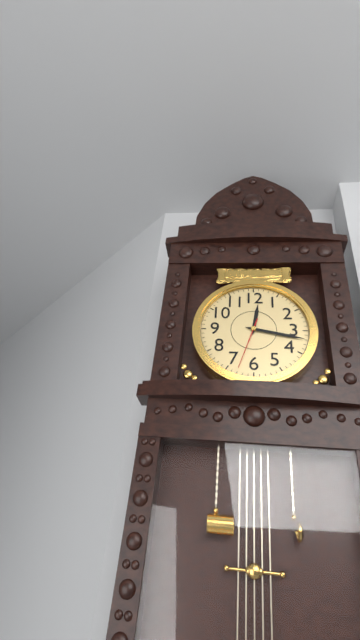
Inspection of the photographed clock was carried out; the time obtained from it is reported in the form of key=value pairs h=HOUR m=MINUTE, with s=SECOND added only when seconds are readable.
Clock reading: h=12 m=17 s=33
